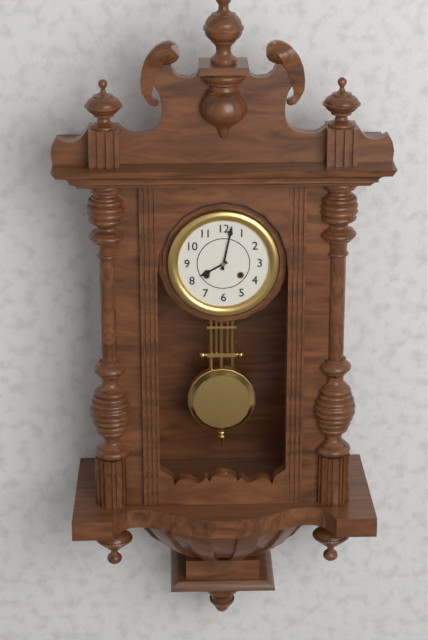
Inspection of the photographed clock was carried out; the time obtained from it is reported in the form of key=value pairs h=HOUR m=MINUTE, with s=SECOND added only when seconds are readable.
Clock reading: h=8 m=2
